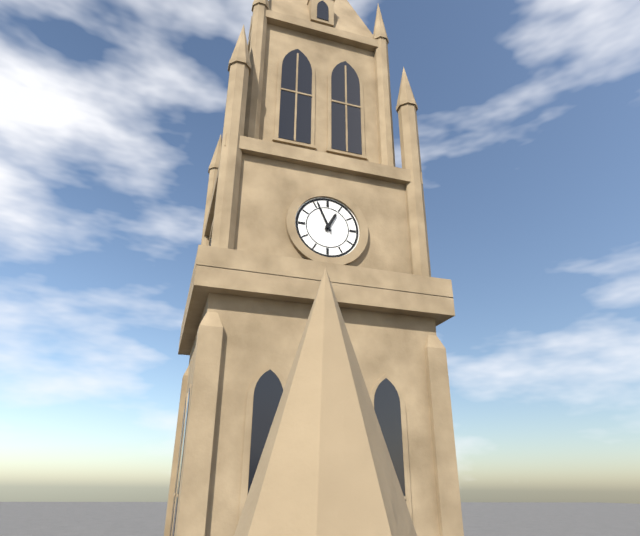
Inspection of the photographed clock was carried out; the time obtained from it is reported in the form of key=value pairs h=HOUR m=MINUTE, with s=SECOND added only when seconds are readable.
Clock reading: h=12 m=56
